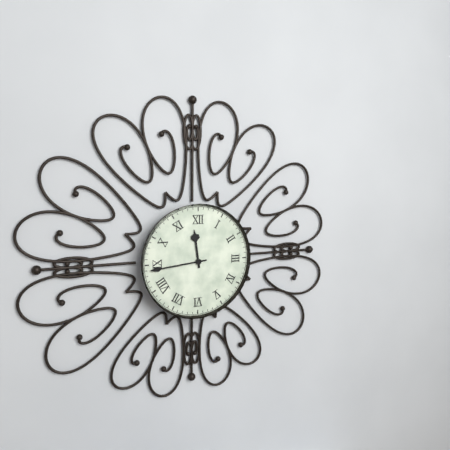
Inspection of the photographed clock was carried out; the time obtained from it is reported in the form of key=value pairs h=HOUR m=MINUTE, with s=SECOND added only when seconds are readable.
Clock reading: h=11 m=44
